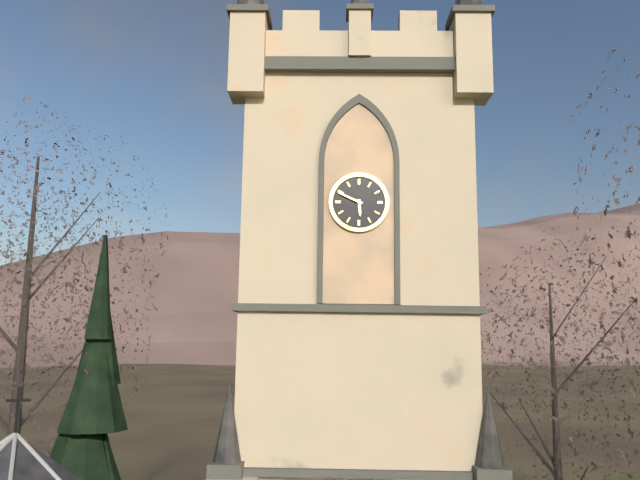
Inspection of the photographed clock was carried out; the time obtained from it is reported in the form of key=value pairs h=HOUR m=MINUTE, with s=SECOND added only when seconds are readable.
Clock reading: h=5 m=49
